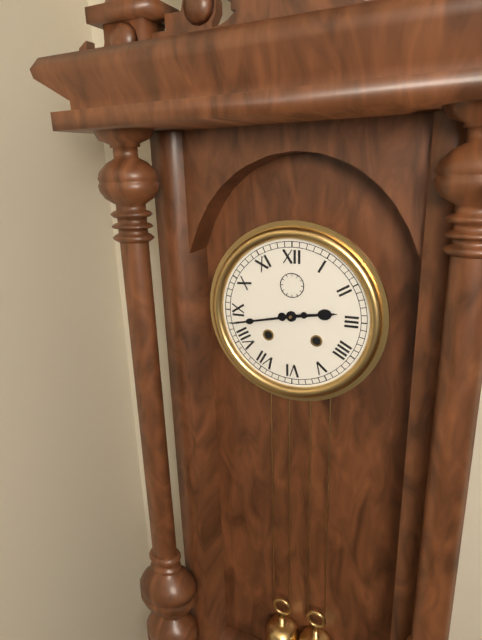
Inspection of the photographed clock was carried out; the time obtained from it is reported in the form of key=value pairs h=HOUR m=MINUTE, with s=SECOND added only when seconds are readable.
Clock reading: h=2 m=43
